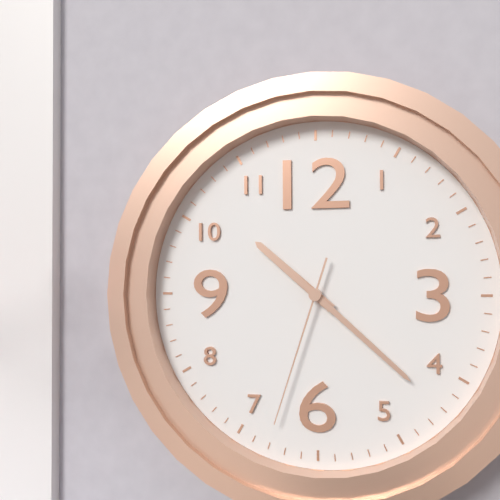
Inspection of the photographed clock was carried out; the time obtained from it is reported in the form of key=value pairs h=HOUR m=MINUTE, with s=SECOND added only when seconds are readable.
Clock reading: h=10 m=22 s=33
